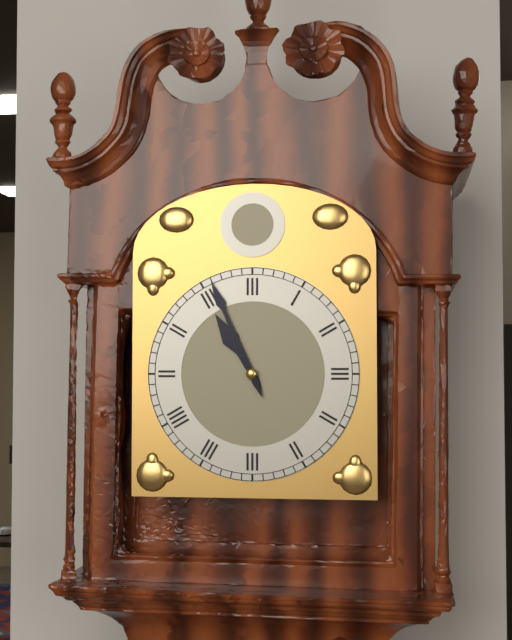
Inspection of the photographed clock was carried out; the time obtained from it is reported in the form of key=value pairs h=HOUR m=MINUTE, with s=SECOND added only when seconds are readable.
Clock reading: h=10 m=56
